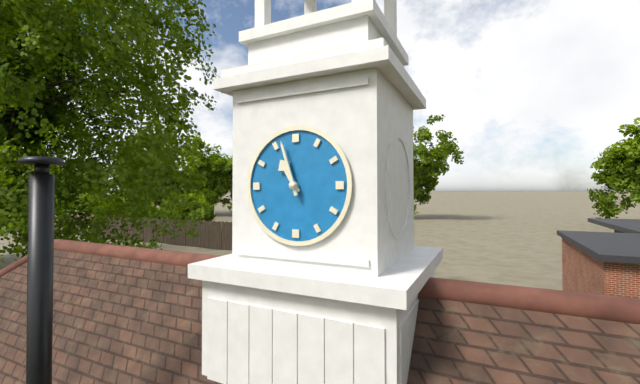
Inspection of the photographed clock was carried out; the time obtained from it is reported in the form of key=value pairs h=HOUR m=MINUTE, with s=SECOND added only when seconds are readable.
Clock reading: h=10 m=57
